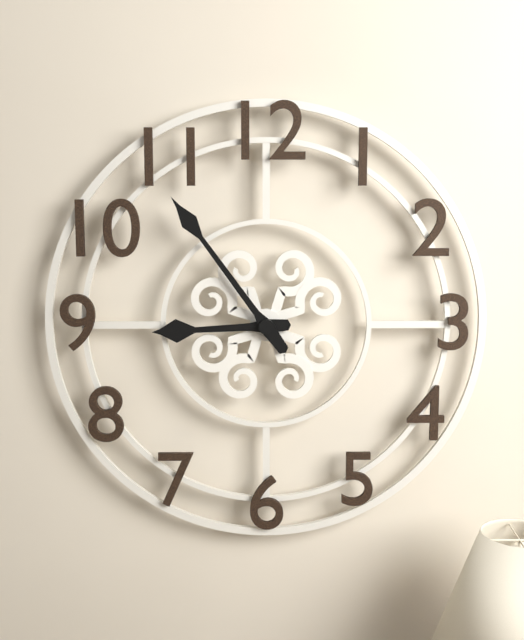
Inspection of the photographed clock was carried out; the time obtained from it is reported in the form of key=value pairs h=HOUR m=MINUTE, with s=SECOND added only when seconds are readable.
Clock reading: h=8 m=54
